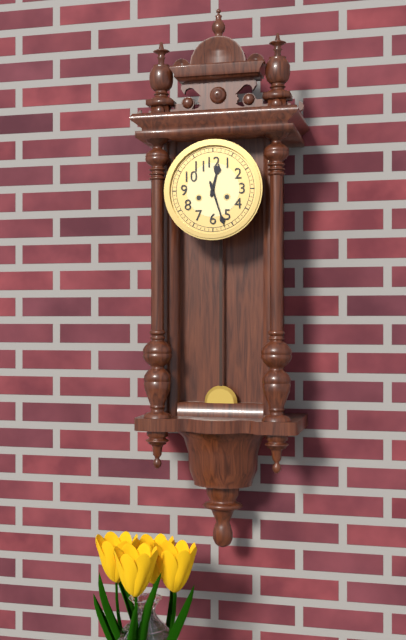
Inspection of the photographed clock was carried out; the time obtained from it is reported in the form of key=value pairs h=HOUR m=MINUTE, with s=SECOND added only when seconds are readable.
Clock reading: h=12 m=27
